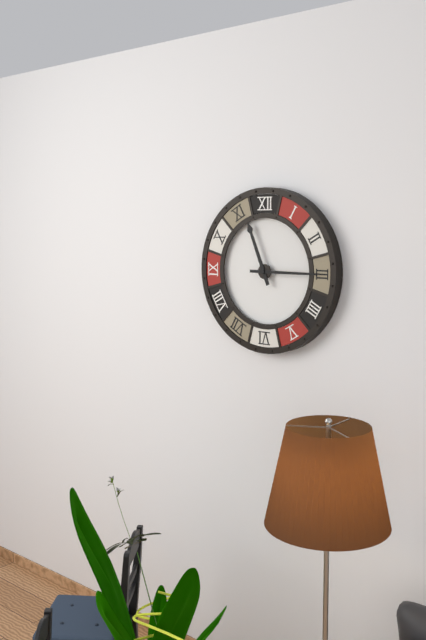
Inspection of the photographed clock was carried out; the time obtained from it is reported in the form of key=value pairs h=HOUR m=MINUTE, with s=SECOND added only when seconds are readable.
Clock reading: h=11 m=15
